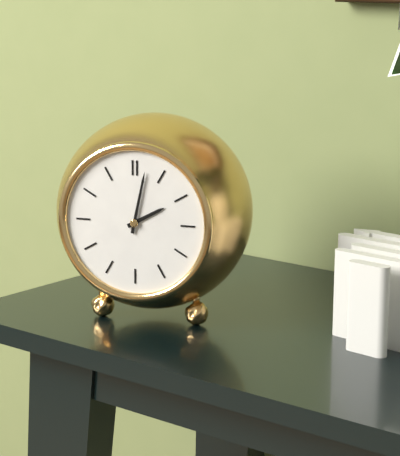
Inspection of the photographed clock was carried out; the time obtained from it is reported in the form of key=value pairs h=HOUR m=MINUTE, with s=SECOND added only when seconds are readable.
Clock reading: h=2 m=2
